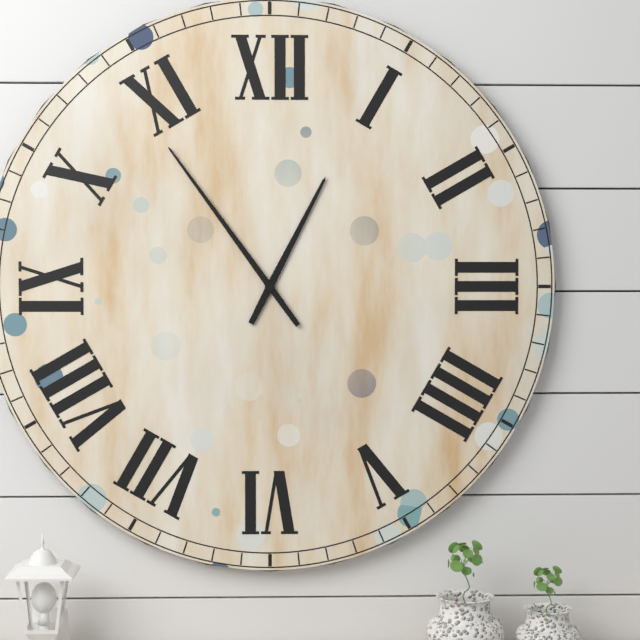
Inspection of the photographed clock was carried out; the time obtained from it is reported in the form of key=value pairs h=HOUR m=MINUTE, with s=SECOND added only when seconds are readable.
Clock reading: h=12 m=54
